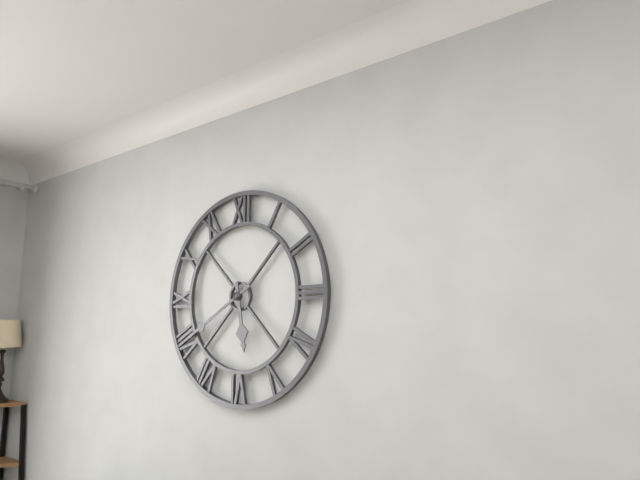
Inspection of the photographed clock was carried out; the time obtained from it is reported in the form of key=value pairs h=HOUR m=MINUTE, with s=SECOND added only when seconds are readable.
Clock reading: h=5 m=40
